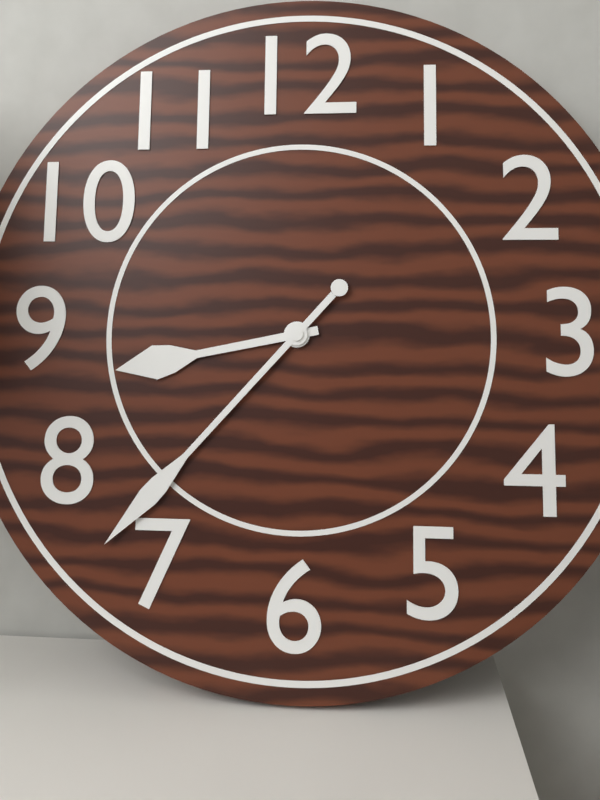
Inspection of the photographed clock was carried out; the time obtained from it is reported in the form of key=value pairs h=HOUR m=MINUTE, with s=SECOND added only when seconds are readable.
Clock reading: h=8 m=37
